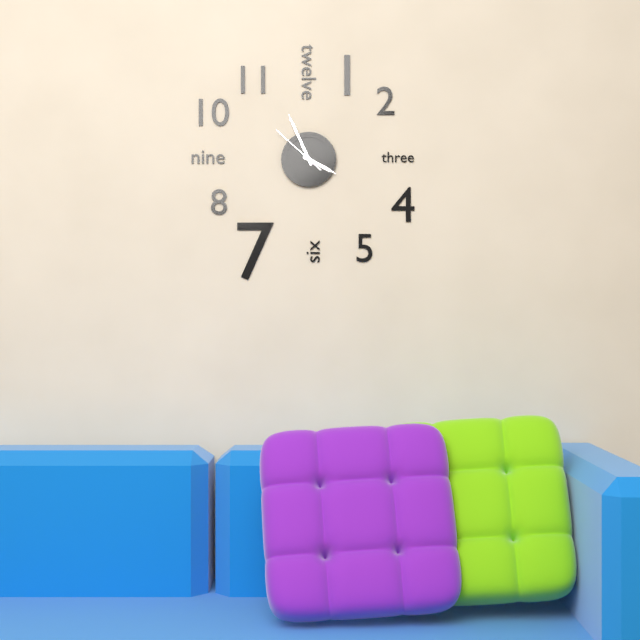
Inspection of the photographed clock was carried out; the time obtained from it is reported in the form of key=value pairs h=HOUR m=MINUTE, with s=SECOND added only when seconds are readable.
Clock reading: h=3 m=56 s=52
